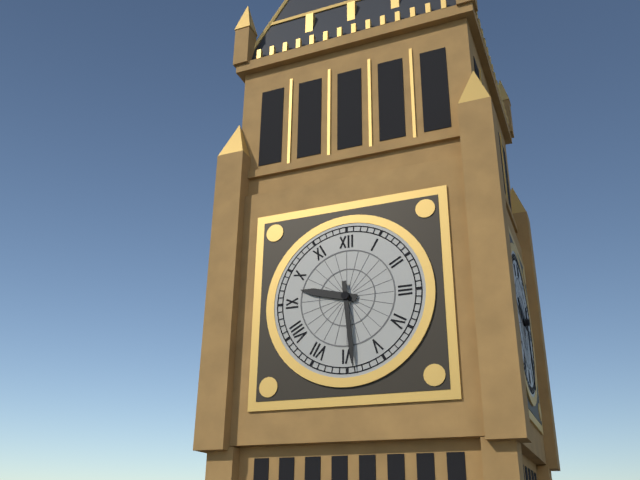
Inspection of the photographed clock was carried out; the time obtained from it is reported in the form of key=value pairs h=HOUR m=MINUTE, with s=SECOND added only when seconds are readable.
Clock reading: h=9 m=29
